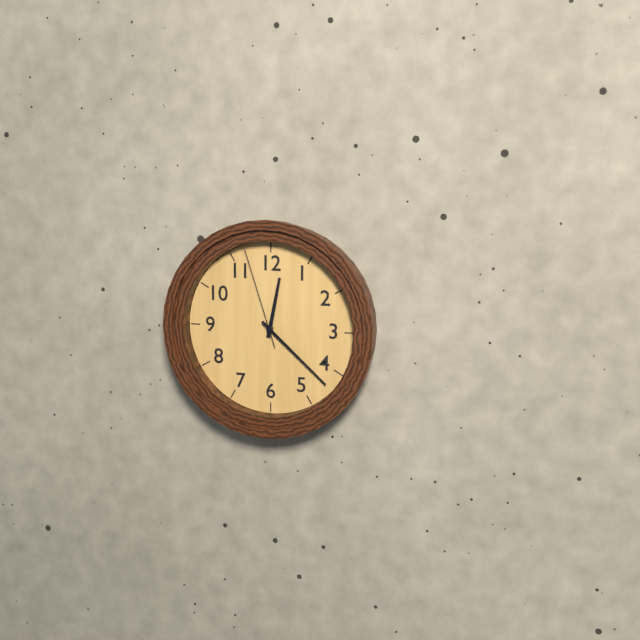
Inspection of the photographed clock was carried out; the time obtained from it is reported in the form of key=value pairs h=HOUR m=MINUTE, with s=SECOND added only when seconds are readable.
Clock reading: h=12 m=22 s=57
